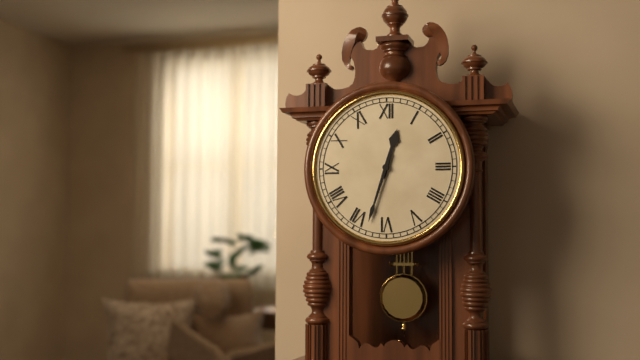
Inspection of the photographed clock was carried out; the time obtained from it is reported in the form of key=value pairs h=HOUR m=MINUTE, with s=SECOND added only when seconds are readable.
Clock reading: h=12 m=33
